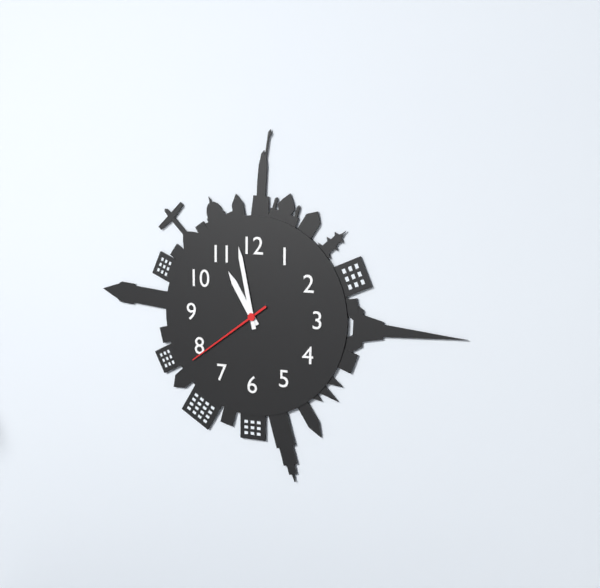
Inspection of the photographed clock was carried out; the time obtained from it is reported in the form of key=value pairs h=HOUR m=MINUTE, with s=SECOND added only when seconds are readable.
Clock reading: h=10 m=58 s=39
